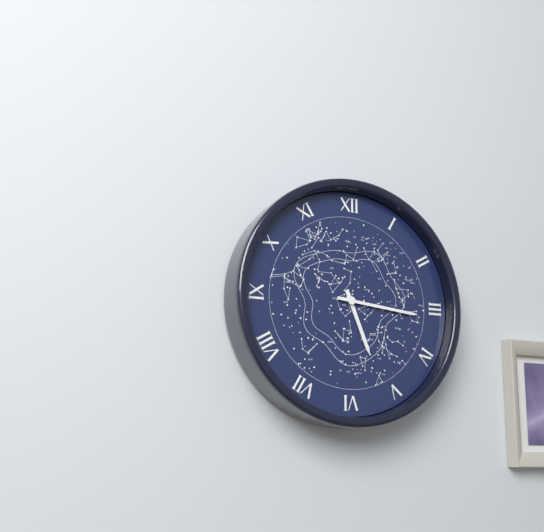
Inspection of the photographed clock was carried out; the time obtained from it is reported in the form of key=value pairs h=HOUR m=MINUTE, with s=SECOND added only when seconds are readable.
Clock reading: h=5 m=16
